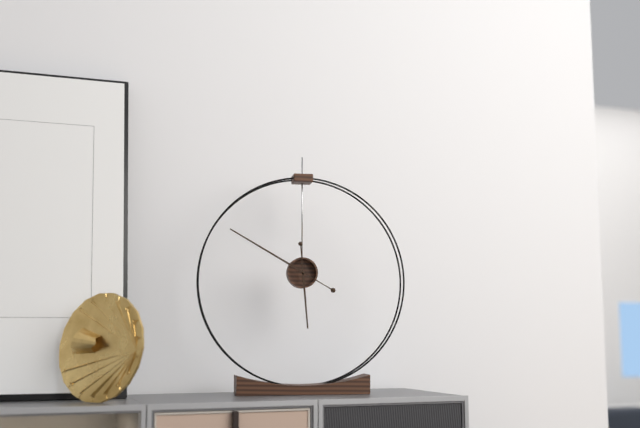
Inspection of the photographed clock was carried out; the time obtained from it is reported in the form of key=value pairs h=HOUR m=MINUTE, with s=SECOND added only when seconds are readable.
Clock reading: h=5 m=50
